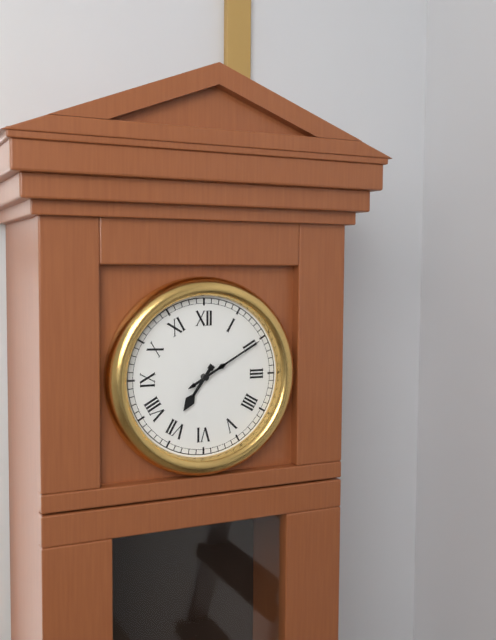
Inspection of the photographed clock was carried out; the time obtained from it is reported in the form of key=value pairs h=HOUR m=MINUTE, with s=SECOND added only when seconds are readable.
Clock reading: h=7 m=10
